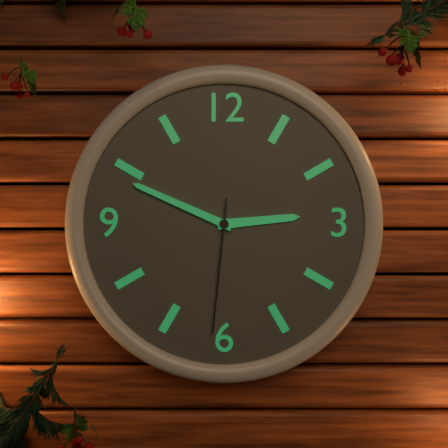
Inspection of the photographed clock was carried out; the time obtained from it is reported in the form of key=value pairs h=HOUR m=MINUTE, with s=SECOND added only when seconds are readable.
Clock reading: h=2 m=49 s=31
